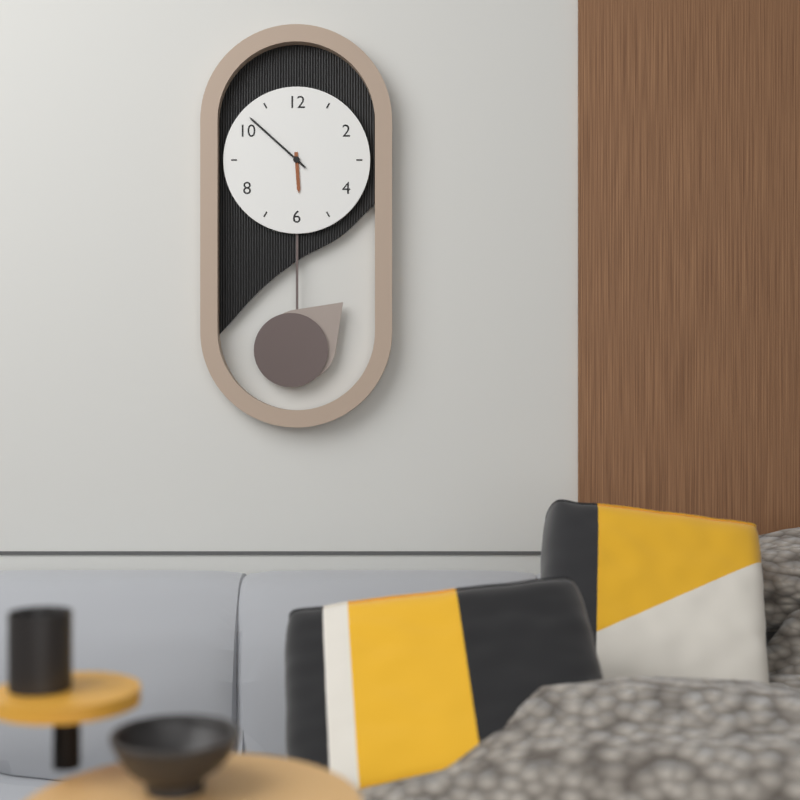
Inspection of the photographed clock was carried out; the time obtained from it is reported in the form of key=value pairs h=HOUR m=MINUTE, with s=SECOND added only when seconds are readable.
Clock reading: h=5 m=52
